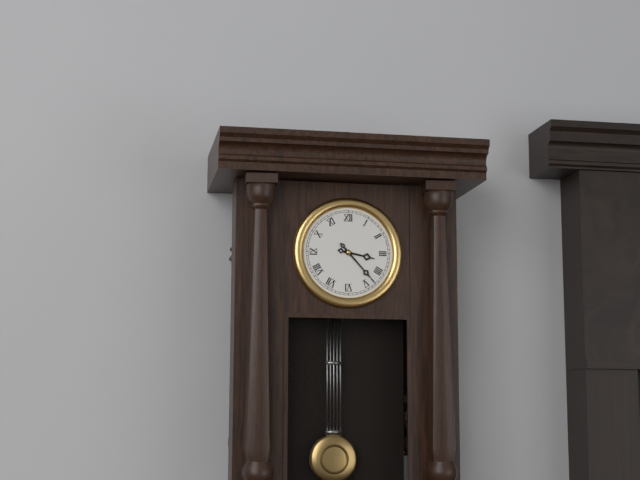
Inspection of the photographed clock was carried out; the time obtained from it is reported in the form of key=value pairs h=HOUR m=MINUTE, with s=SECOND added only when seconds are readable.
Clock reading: h=3 m=23
